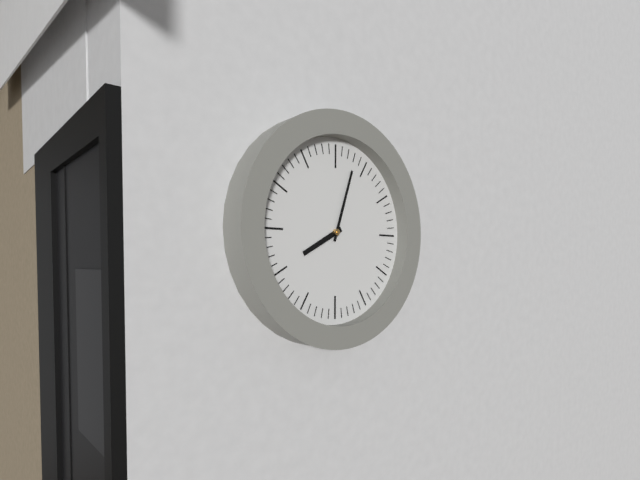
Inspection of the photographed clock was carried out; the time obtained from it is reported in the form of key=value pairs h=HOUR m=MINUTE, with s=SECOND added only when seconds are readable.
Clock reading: h=8 m=3
